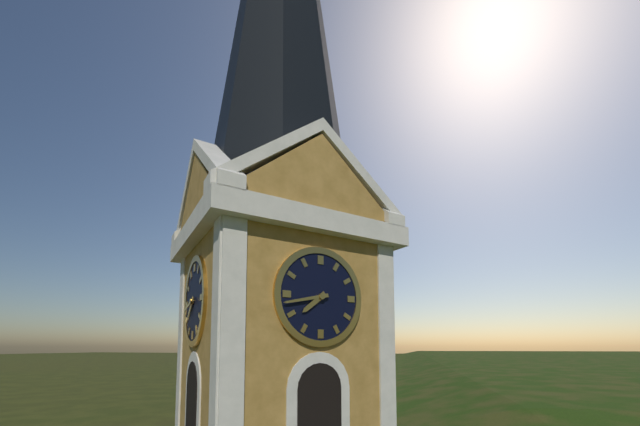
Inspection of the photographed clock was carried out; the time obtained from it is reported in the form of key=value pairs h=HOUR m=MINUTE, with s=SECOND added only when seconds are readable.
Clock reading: h=7 m=43
